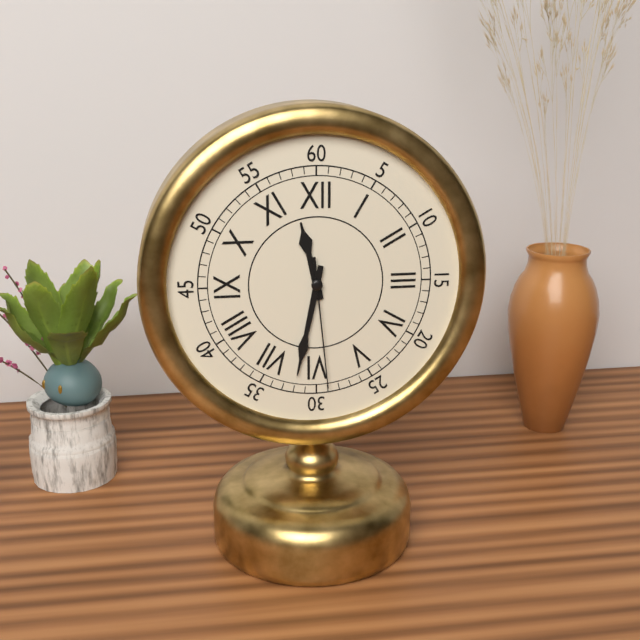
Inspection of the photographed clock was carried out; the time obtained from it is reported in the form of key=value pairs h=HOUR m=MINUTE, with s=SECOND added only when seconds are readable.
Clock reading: h=11 m=32 s=29
